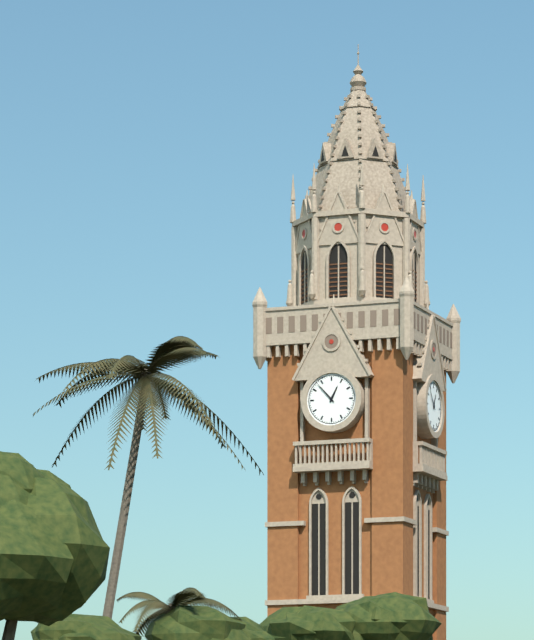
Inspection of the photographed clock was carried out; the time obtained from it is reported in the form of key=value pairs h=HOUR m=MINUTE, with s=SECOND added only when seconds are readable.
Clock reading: h=12 m=53
